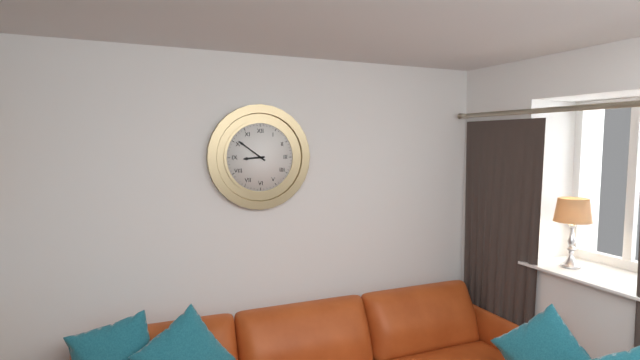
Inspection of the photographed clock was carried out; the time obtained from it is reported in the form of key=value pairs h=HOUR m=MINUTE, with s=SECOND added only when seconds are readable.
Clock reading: h=8 m=51
